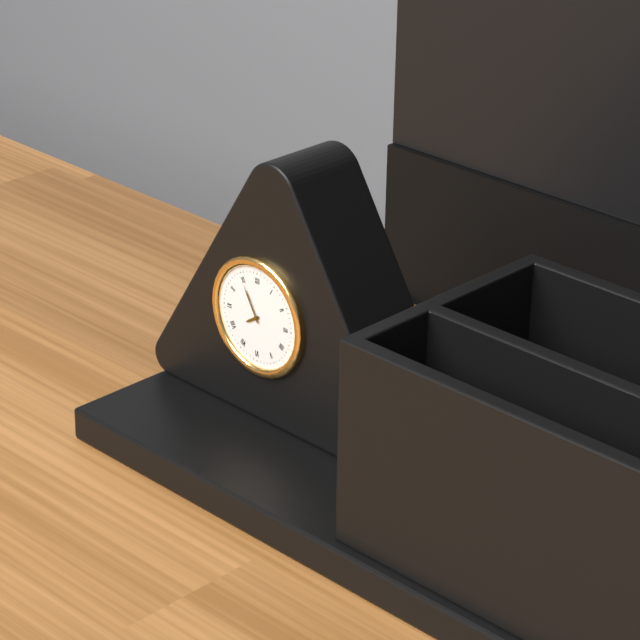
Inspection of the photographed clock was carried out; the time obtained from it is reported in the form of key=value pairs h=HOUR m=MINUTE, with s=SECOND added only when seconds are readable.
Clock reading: h=7 m=55
